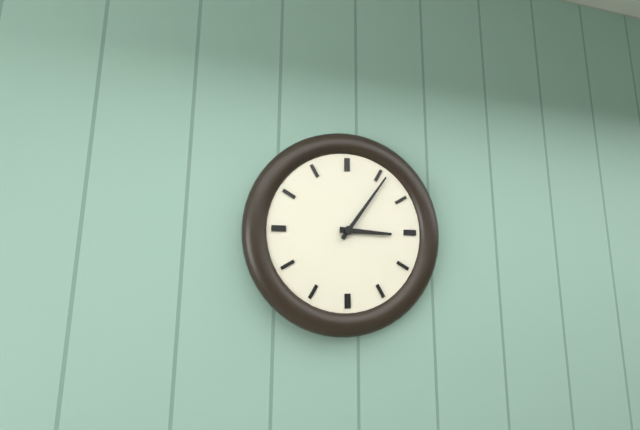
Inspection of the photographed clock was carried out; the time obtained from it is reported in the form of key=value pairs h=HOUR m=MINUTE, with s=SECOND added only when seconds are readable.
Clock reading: h=3 m=6
